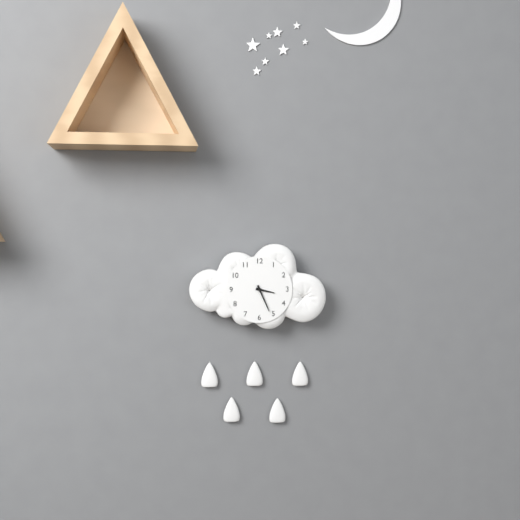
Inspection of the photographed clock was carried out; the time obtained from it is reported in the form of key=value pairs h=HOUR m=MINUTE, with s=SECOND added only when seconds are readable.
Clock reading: h=3 m=26
